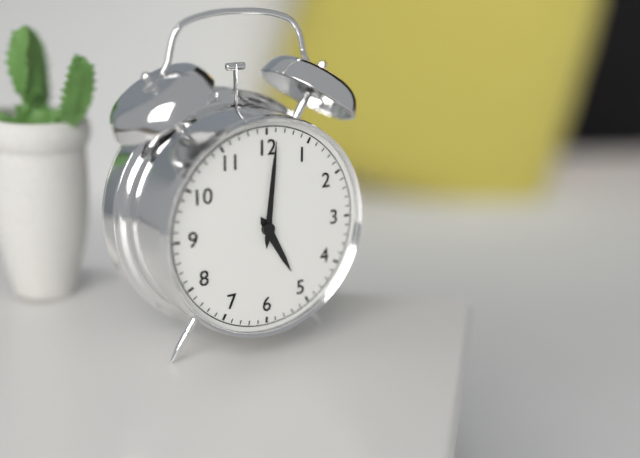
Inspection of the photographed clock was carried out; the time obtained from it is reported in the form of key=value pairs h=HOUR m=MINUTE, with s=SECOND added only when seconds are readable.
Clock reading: h=5 m=1
